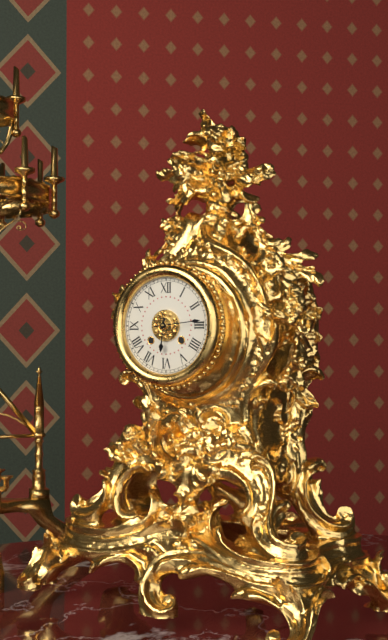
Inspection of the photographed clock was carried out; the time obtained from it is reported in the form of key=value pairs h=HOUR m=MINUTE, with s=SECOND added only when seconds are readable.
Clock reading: h=6 m=14
